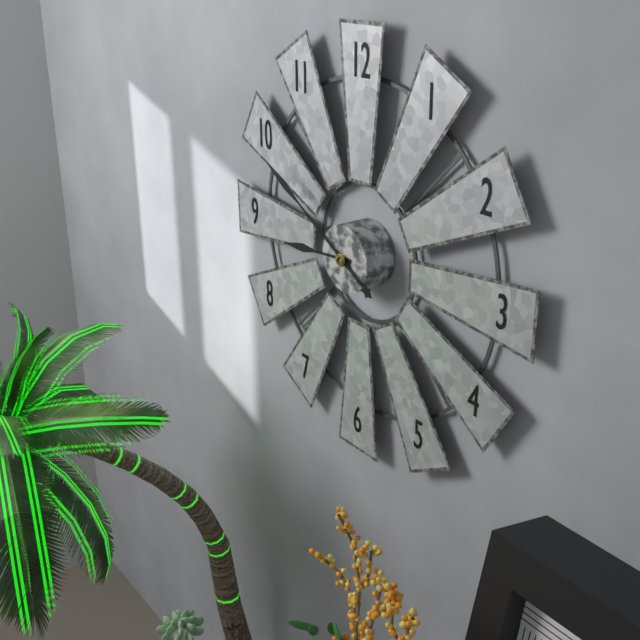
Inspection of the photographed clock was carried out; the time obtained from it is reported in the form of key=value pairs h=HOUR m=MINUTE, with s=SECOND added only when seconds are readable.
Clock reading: h=8 m=50
